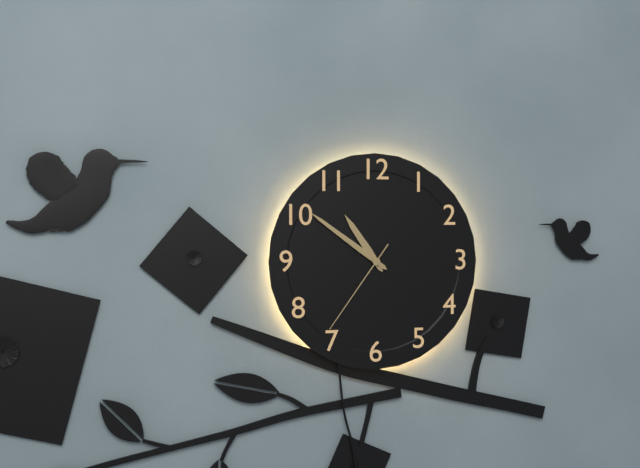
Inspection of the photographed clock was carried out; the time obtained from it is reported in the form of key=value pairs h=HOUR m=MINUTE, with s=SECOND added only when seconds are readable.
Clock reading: h=10 m=51 s=36
